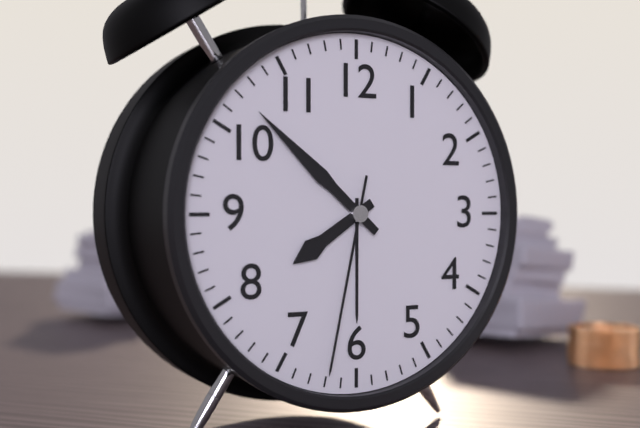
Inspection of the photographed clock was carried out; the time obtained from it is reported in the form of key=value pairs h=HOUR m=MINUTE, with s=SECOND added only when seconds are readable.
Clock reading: h=7 m=52 s=32
